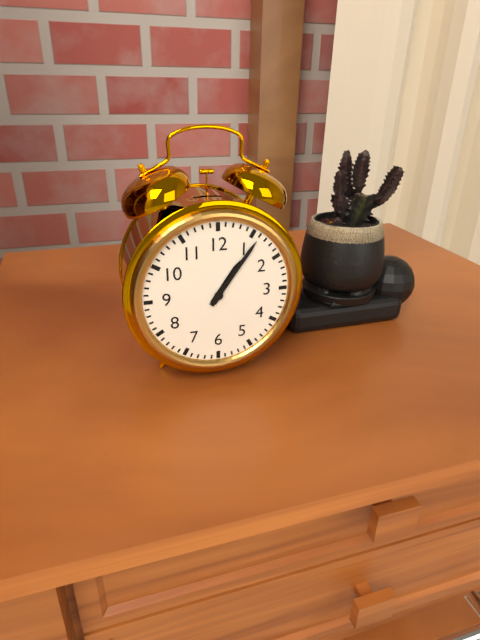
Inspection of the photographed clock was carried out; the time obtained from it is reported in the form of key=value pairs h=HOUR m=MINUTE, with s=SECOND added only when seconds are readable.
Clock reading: h=1 m=6
